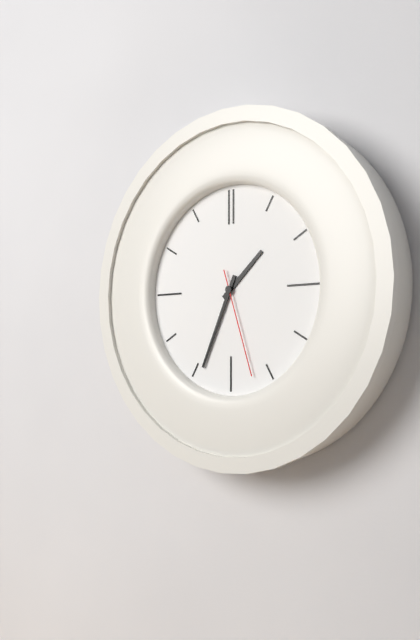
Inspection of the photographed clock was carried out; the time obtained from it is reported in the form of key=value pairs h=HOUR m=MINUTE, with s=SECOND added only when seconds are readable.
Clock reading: h=1 m=34 s=27
